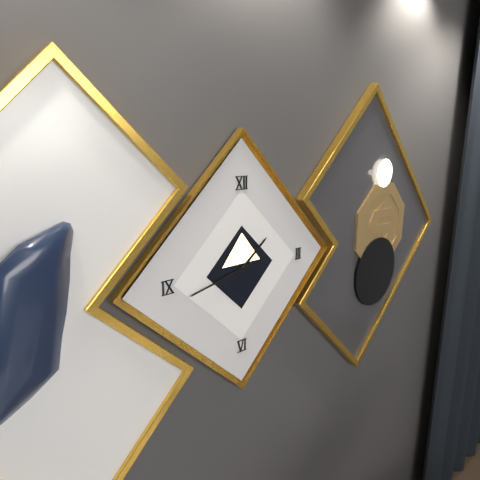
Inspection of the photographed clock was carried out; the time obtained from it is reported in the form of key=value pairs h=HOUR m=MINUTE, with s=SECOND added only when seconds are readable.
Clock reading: h=1 m=43
